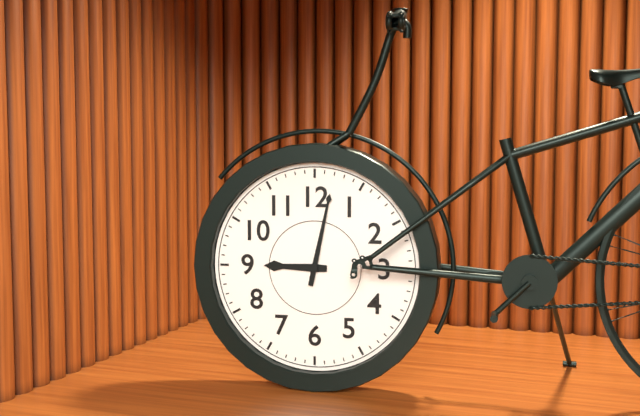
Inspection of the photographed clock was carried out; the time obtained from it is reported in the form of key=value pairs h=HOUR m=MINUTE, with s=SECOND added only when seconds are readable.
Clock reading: h=9 m=2
